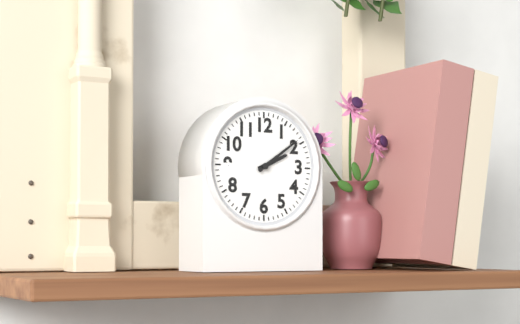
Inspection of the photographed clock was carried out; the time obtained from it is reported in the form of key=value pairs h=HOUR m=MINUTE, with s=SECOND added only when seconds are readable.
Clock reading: h=2 m=9
